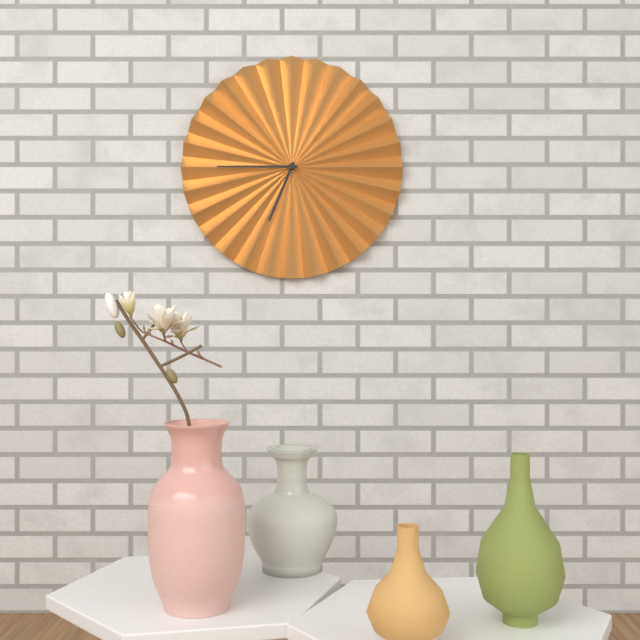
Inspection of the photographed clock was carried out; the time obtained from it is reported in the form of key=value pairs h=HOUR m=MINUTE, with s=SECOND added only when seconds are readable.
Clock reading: h=6 m=45
